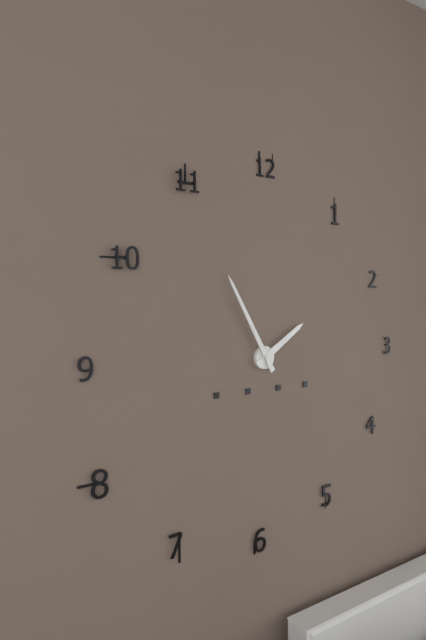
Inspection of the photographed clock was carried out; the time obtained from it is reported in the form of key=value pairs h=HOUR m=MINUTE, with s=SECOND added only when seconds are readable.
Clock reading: h=1 m=55
